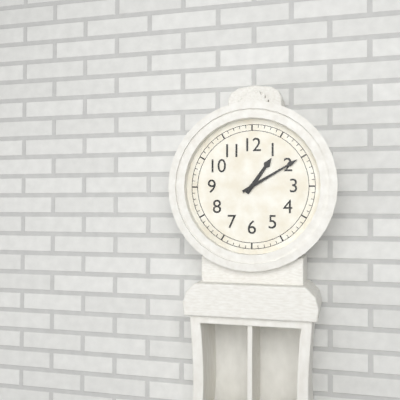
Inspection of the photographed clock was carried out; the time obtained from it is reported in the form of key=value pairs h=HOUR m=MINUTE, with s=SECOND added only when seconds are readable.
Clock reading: h=1 m=10
